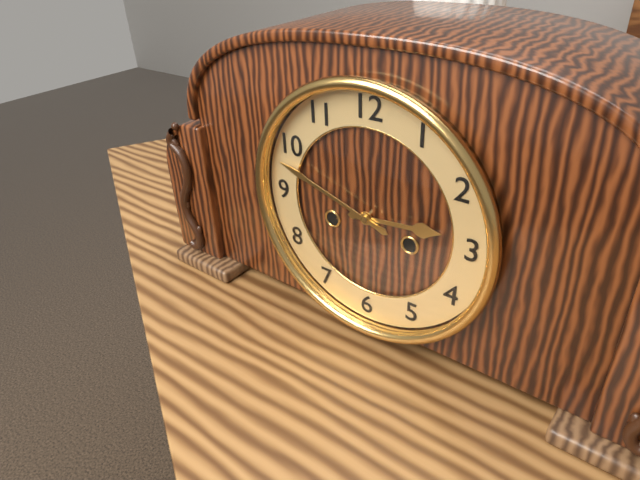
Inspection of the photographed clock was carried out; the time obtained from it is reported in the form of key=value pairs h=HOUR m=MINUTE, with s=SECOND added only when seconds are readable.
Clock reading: h=2 m=48
